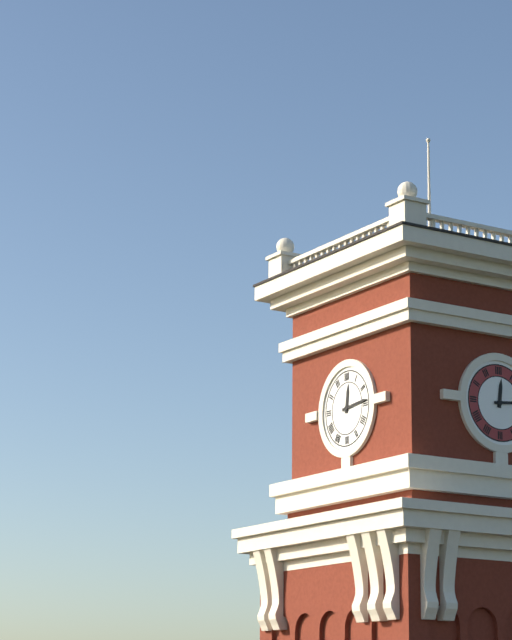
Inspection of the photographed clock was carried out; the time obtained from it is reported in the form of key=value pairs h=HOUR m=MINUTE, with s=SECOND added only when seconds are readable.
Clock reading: h=12 m=14
